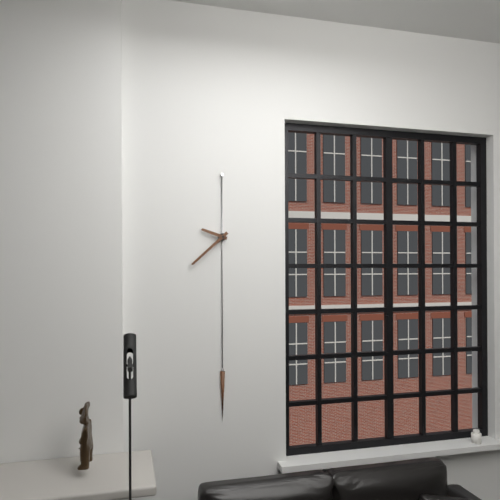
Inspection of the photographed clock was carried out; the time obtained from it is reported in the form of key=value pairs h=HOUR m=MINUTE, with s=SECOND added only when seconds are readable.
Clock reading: h=9 m=38
